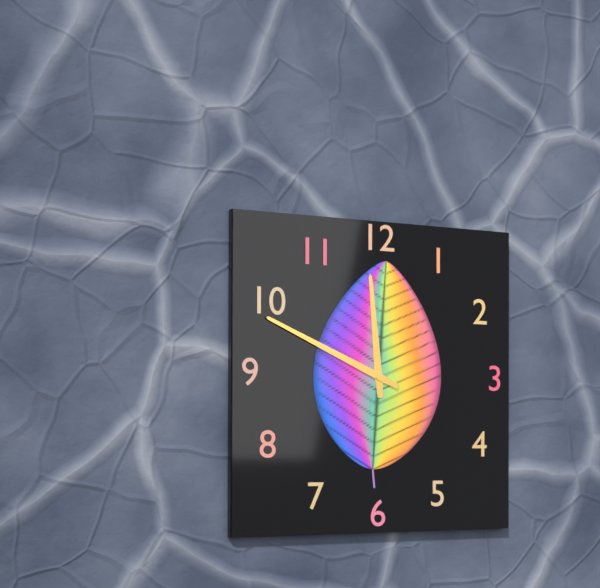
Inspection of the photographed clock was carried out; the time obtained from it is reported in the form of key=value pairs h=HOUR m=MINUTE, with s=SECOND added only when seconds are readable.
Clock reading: h=11 m=49
